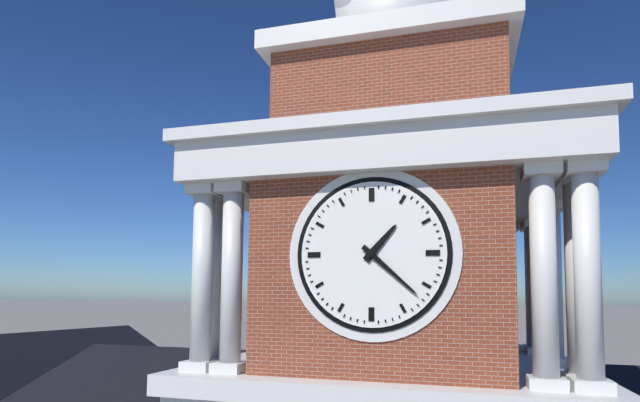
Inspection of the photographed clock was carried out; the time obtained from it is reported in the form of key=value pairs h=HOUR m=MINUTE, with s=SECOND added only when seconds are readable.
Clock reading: h=1 m=22
